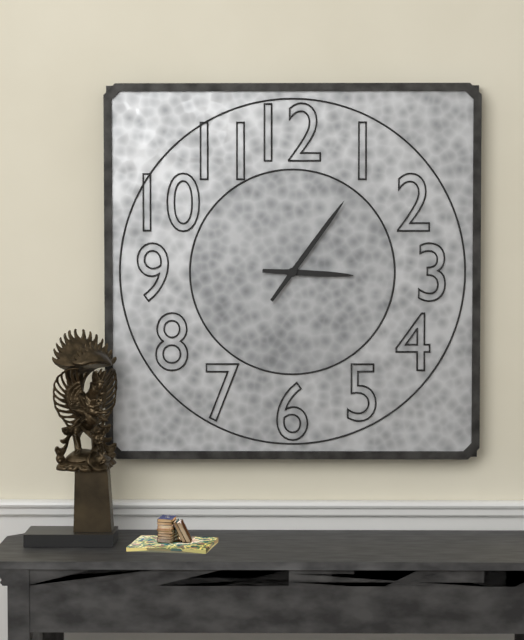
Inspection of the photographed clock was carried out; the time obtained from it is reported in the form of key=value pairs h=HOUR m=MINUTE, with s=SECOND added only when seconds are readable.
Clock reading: h=3 m=6
